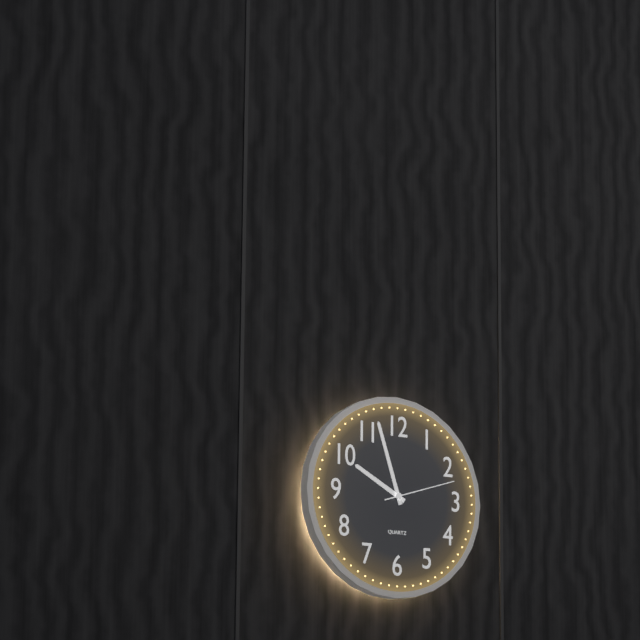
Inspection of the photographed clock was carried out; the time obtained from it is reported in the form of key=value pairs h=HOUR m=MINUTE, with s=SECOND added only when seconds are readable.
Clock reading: h=9 m=57 s=12
